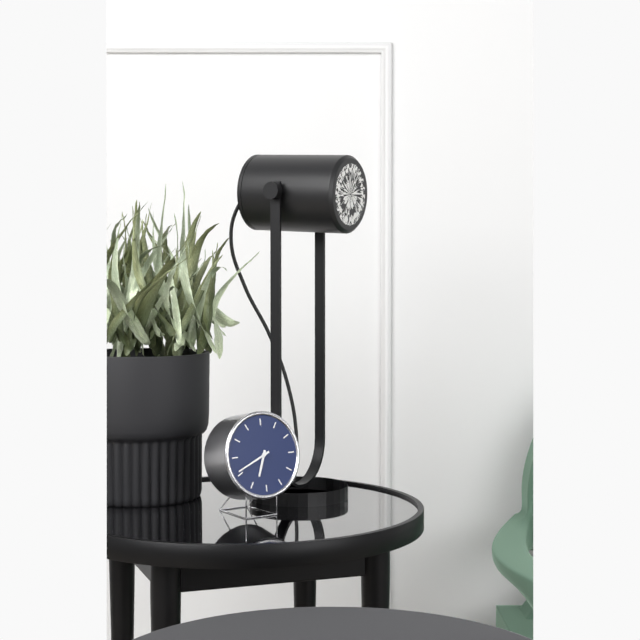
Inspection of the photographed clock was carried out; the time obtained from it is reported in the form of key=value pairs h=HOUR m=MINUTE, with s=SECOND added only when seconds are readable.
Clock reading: h=6 m=41
